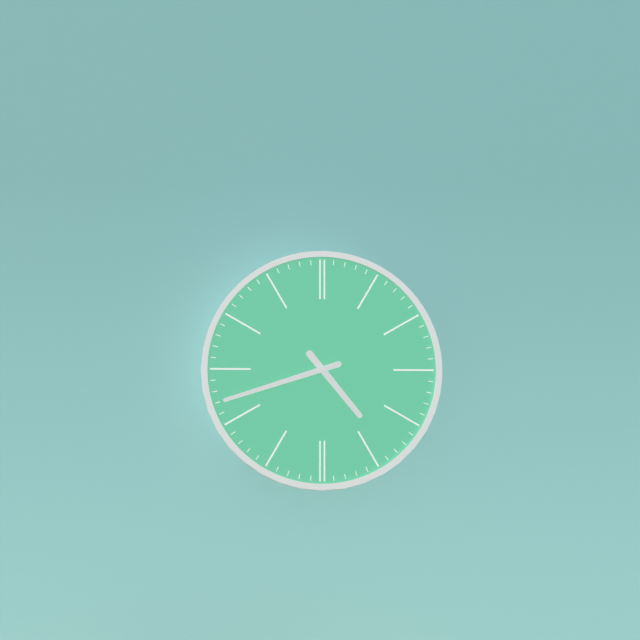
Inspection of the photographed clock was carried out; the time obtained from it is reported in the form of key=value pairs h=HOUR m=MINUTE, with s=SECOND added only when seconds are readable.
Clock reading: h=4 m=42
